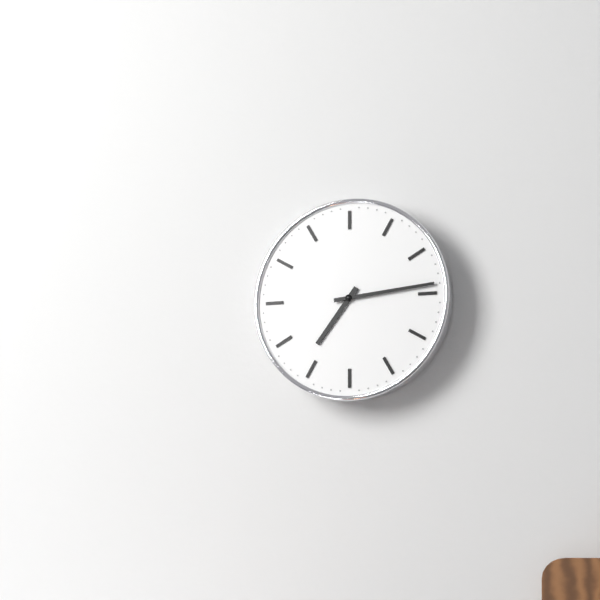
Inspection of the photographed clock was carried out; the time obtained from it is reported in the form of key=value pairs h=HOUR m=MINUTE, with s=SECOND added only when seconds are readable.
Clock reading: h=7 m=14
